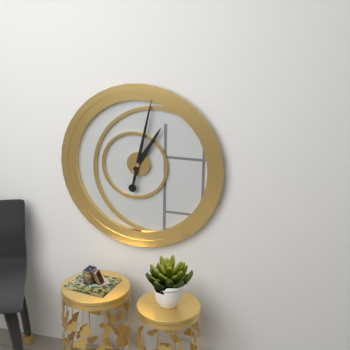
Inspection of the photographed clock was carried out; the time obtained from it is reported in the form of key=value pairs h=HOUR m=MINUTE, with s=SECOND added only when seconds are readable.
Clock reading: h=1 m=2
